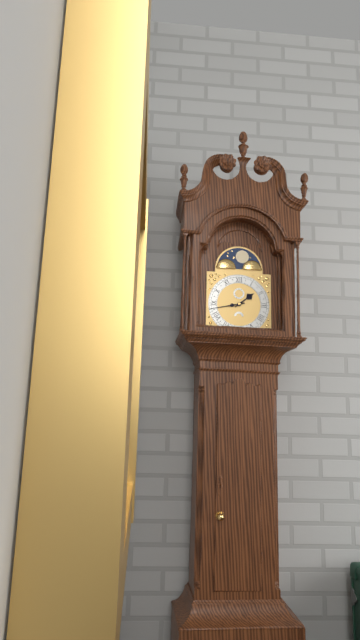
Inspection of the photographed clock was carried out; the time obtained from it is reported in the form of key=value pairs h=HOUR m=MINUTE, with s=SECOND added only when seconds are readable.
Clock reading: h=1 m=43
